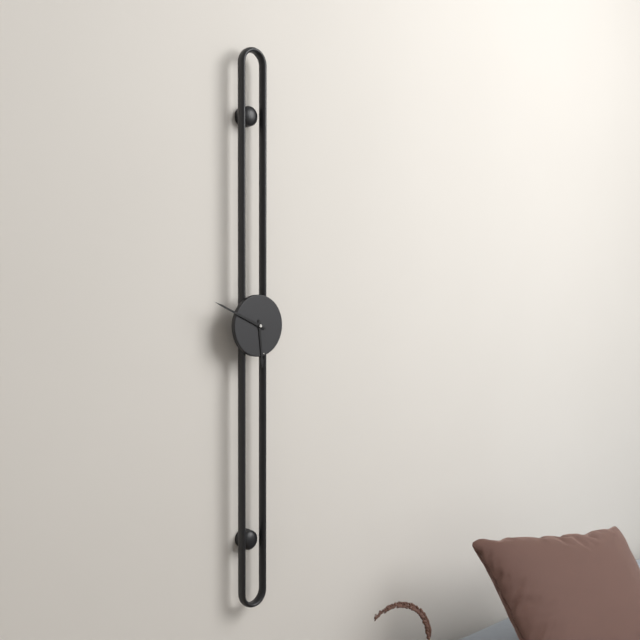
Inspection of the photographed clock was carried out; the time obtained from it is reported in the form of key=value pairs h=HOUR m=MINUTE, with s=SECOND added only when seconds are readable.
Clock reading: h=5 m=49
